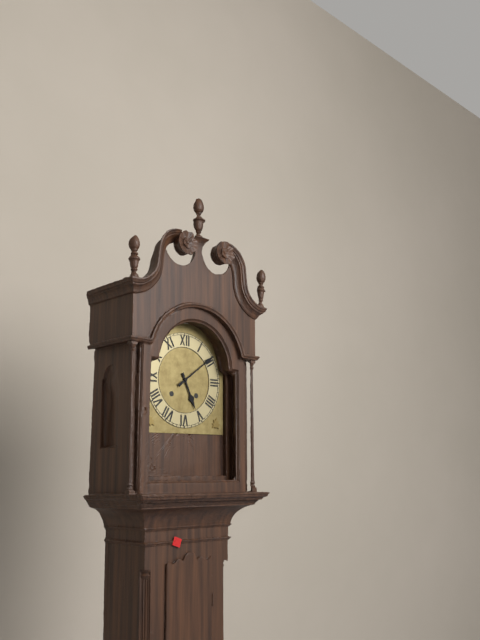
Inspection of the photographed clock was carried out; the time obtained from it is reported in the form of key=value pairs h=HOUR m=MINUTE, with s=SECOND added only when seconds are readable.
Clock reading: h=5 m=9
